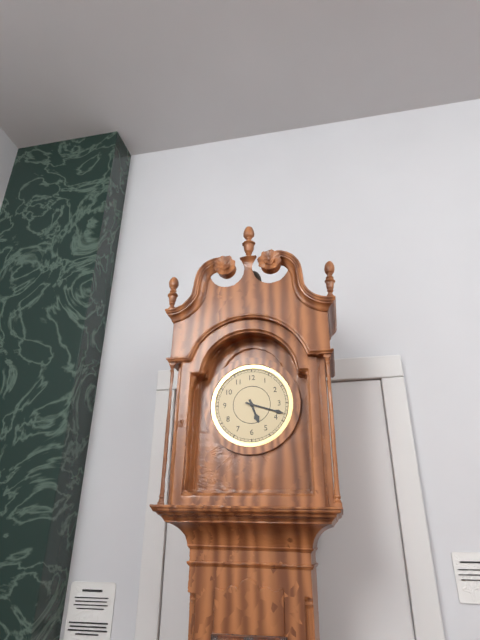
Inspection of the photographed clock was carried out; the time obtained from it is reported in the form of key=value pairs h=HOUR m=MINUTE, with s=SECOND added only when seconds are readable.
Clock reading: h=5 m=18
